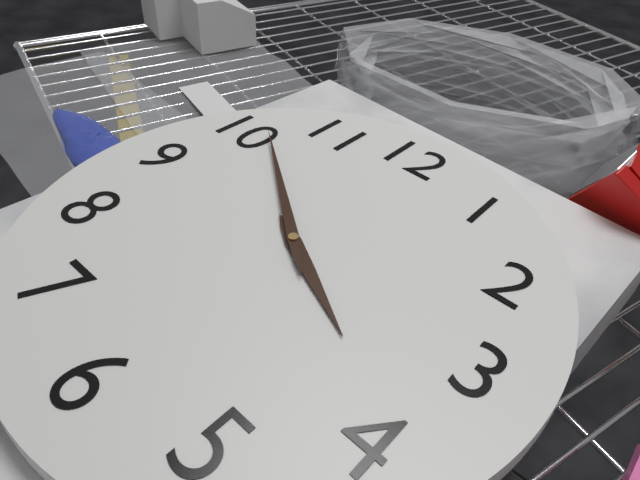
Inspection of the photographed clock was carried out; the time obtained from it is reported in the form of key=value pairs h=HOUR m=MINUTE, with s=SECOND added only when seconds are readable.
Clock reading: h=3 m=51
